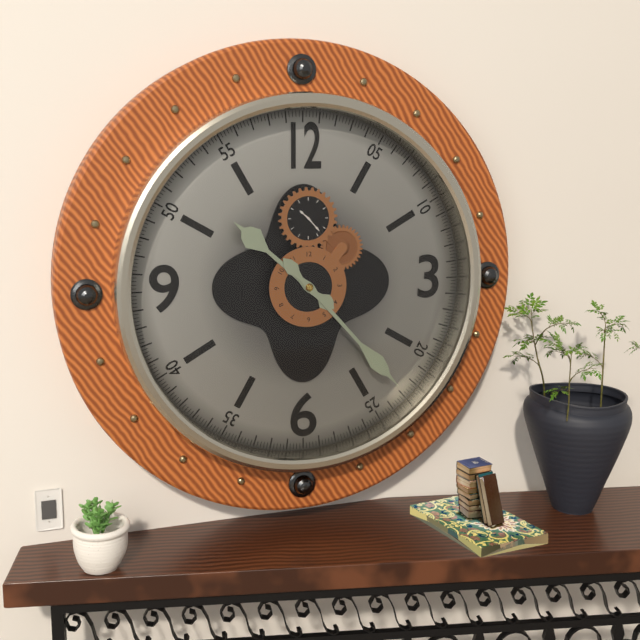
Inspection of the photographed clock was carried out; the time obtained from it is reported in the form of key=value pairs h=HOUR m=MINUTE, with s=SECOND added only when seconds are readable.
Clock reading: h=10 m=23
